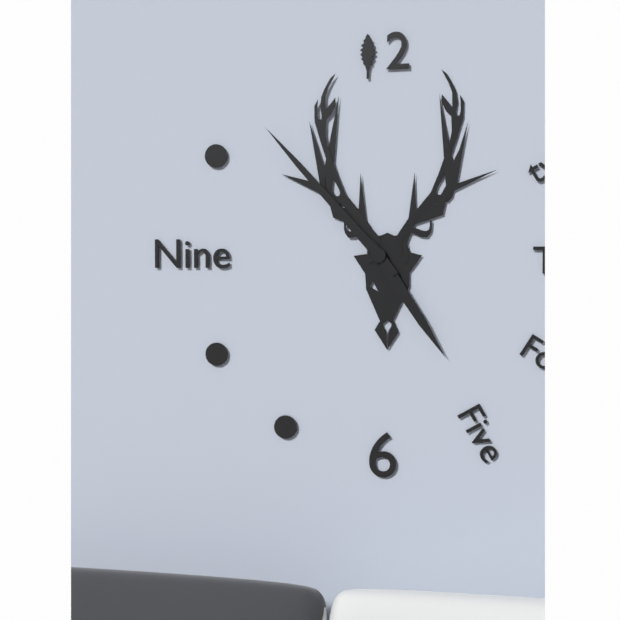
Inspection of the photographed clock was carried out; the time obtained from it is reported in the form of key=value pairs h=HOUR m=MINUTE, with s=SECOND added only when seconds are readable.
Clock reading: h=4 m=53
